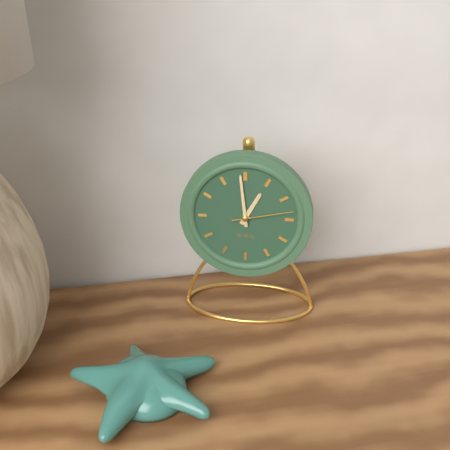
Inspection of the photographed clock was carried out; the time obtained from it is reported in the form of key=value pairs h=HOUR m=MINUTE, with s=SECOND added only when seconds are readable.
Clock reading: h=12 m=59 s=13
